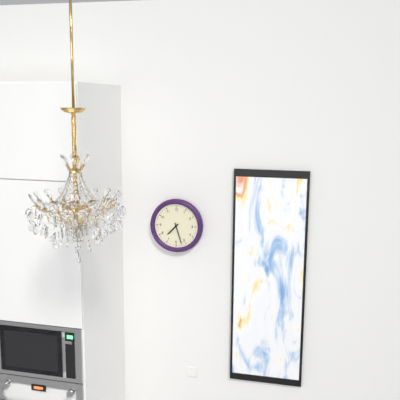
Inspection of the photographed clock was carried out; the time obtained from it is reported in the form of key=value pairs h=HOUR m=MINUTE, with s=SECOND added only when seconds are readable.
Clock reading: h=7 m=27
